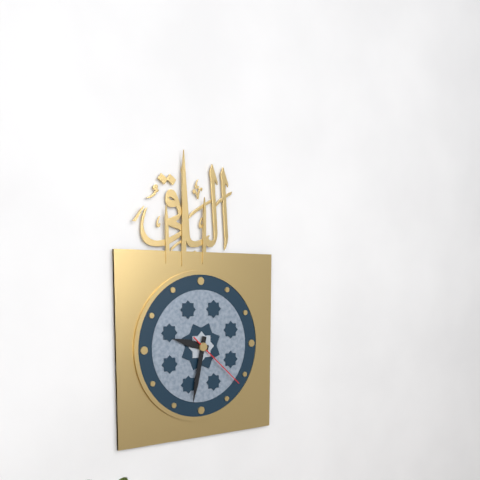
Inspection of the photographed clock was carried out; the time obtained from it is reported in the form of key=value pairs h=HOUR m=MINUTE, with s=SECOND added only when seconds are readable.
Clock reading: h=9 m=32 s=22
